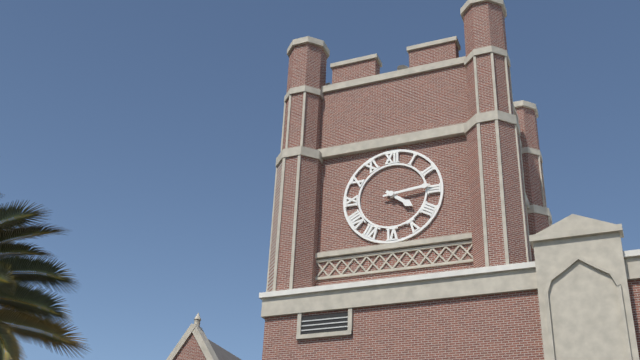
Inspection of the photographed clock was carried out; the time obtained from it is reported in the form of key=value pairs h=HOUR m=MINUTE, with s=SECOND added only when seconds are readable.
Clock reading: h=4 m=14
